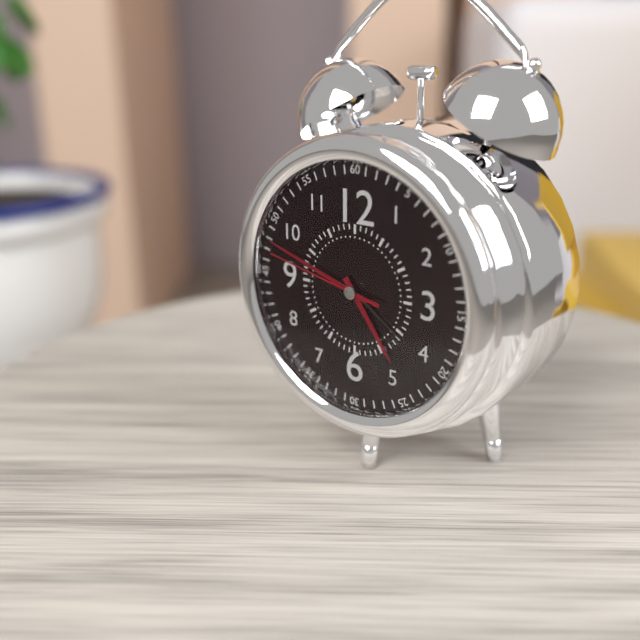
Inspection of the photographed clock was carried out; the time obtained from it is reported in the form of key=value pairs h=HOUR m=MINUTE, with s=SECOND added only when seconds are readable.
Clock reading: h=4 m=48 s=47
